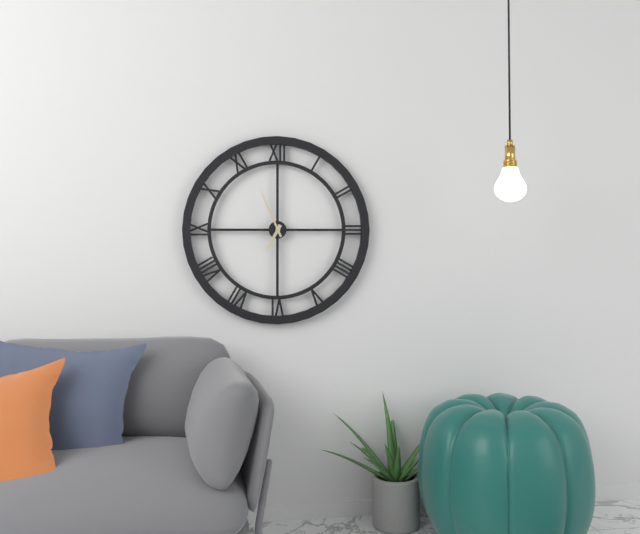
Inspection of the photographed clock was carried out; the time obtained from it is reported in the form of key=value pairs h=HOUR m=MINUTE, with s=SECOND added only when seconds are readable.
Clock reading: h=6 m=56
